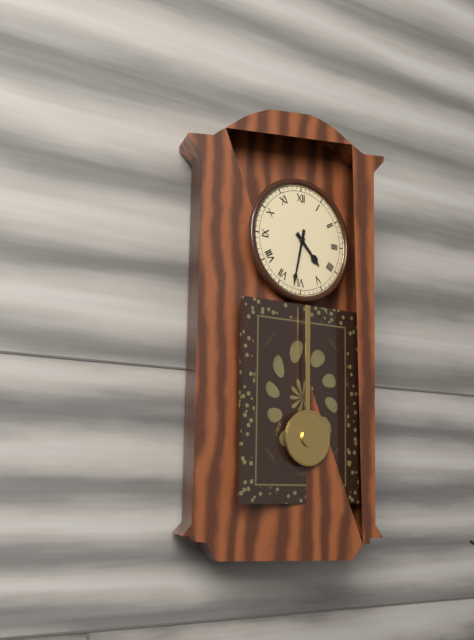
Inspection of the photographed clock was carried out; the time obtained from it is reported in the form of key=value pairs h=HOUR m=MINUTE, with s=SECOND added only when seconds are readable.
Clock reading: h=4 m=32
